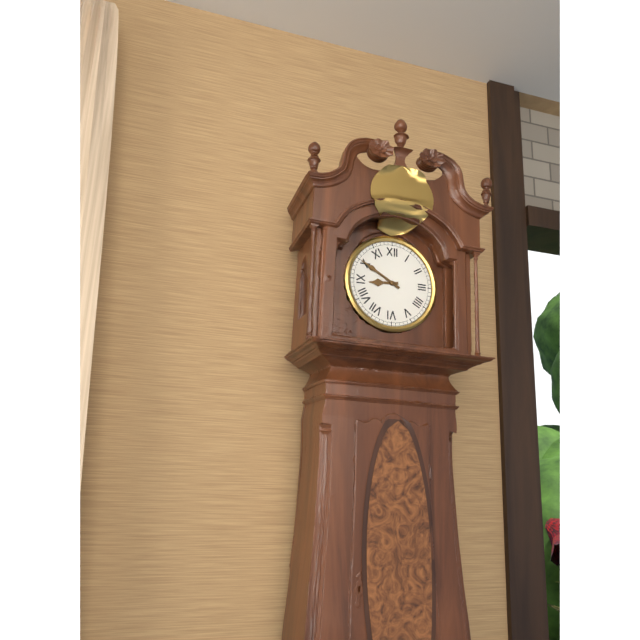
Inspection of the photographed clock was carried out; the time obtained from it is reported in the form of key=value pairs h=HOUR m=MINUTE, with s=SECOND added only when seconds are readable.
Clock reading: h=8 m=50
